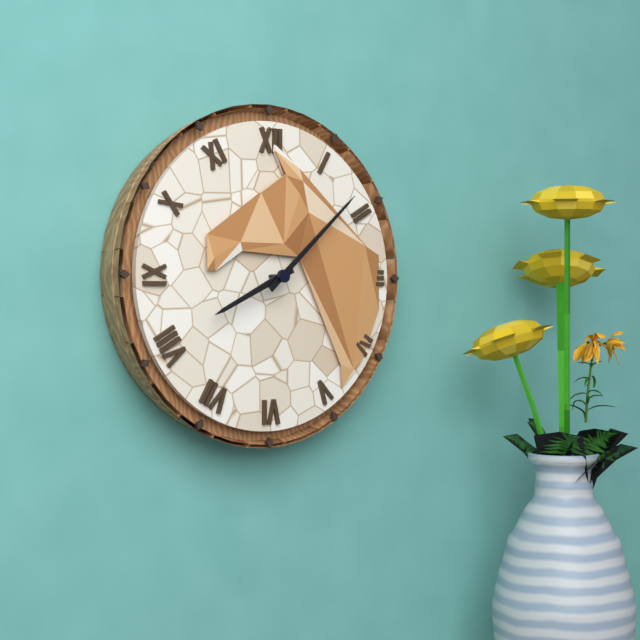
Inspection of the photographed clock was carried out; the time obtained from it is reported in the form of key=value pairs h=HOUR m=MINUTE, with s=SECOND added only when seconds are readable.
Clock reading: h=8 m=8
